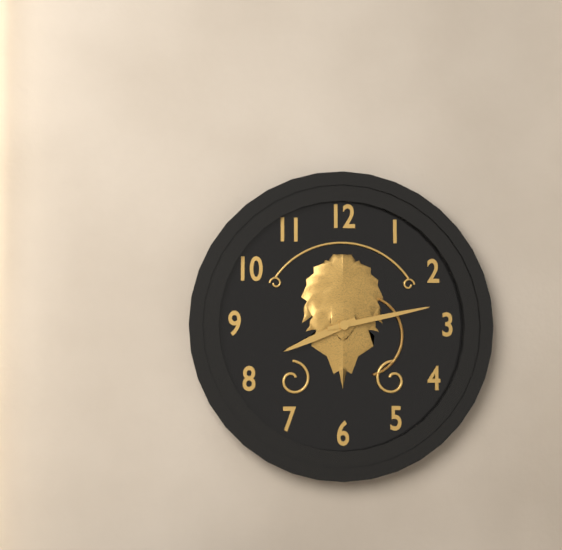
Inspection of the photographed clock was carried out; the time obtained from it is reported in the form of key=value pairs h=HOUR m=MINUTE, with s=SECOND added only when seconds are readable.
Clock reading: h=8 m=13
